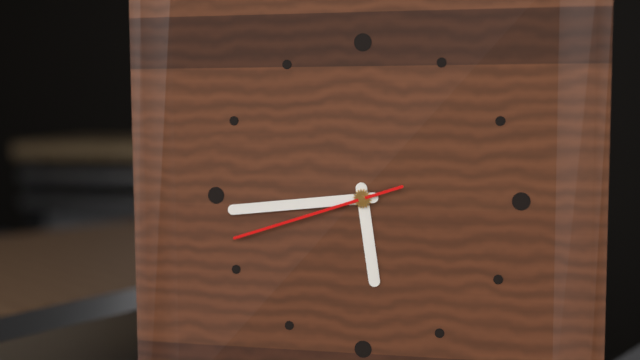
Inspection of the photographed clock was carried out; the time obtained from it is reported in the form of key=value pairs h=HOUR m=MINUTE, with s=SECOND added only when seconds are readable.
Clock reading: h=5 m=44 s=42
